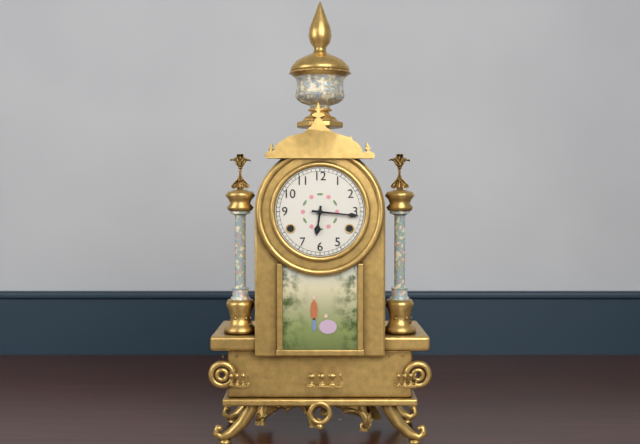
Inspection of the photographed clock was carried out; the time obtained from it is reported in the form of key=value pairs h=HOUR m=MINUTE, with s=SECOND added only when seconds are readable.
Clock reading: h=6 m=16
